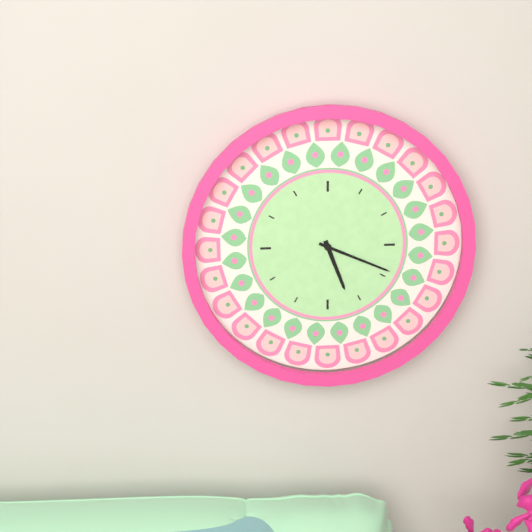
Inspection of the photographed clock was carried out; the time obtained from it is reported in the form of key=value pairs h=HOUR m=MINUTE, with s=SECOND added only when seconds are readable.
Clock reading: h=5 m=19
